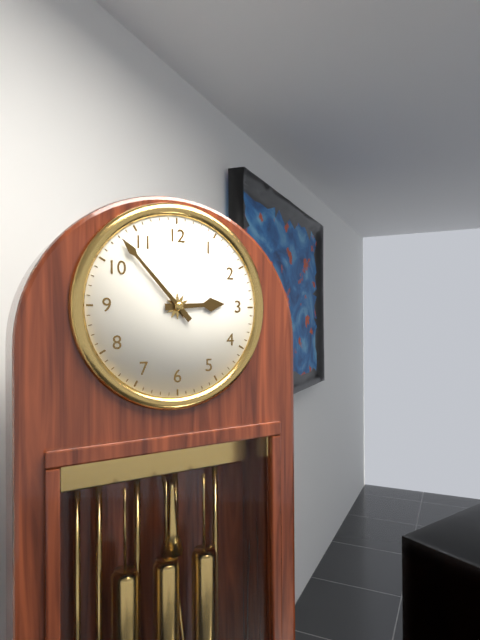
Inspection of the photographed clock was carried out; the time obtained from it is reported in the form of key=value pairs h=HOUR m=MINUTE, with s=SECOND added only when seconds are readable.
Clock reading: h=2 m=53
